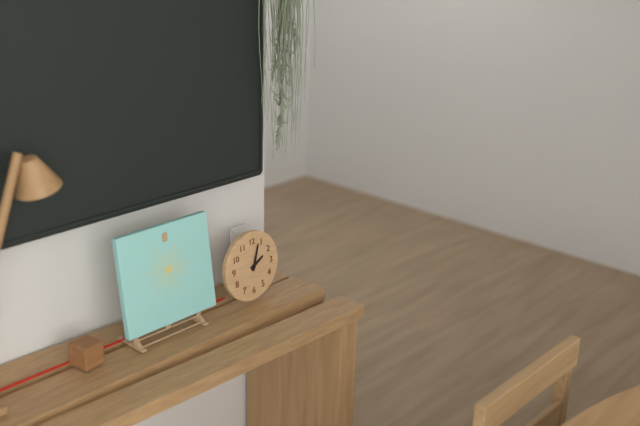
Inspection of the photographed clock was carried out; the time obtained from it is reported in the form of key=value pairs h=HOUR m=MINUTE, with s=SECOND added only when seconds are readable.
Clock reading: h=2 m=3
